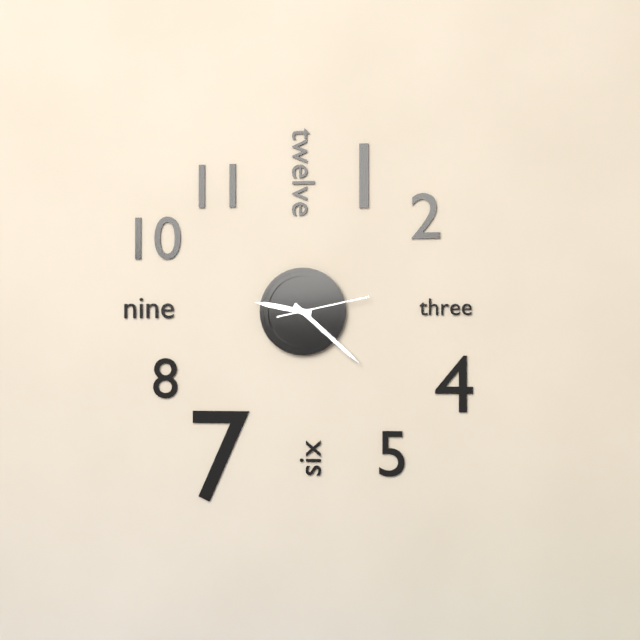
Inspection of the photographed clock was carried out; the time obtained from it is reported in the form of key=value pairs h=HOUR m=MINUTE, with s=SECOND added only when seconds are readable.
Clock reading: h=9 m=22 s=13
